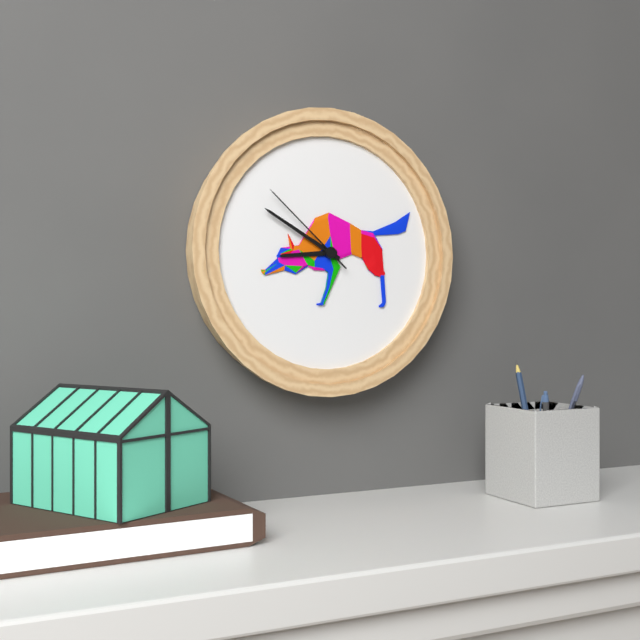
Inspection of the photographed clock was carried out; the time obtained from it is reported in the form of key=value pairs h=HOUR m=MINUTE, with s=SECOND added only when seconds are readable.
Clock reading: h=8 m=50 s=52
